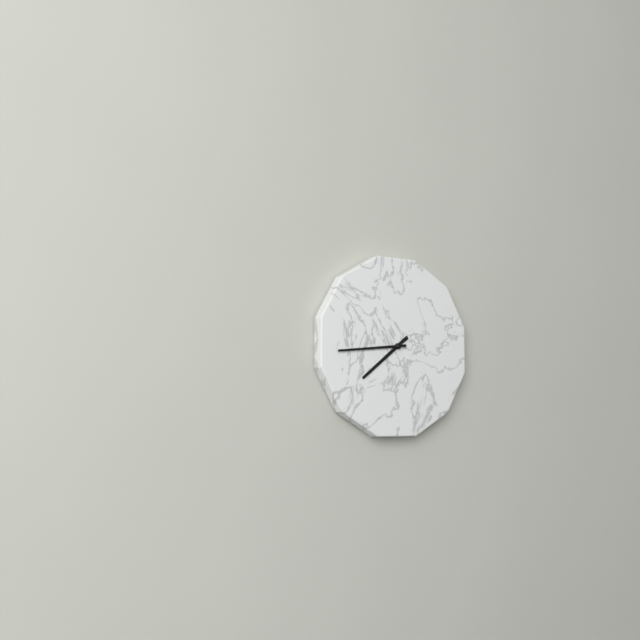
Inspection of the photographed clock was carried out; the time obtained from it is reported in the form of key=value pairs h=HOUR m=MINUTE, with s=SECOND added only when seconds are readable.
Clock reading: h=7 m=44
